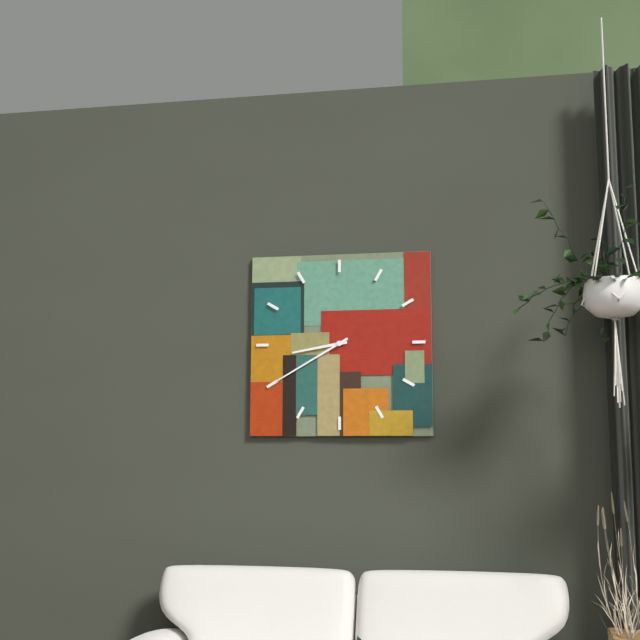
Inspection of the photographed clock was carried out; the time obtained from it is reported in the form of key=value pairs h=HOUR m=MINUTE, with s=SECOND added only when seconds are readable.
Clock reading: h=8 m=40
